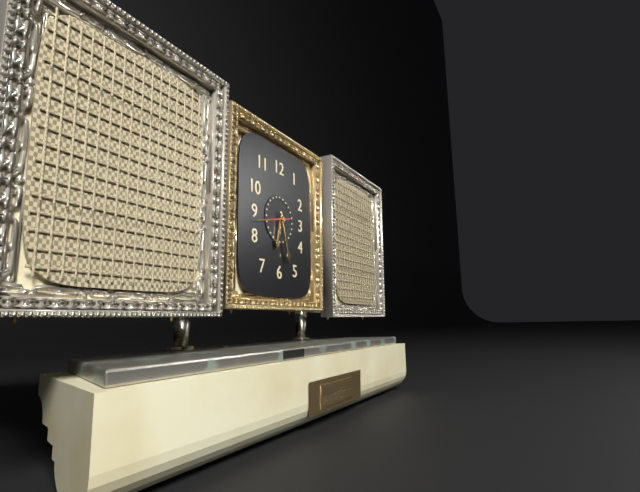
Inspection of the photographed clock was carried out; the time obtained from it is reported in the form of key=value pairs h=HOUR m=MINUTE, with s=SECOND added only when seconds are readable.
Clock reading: h=6 m=27
